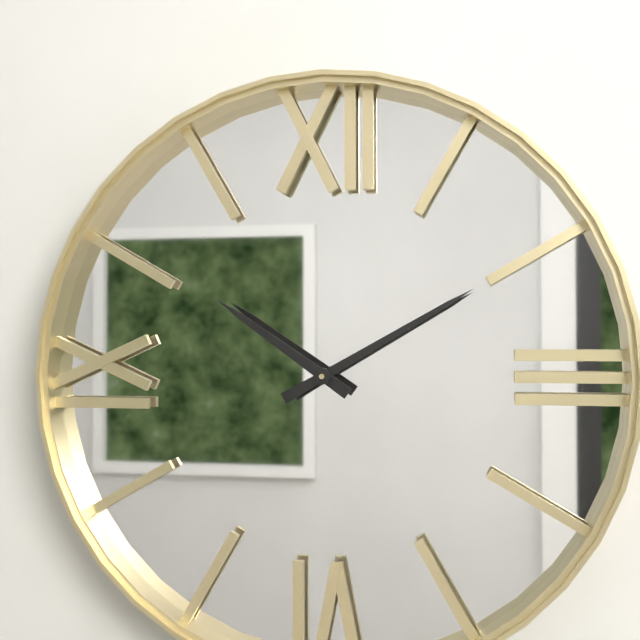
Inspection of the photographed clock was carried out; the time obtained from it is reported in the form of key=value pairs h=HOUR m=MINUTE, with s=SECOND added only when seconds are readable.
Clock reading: h=10 m=10
